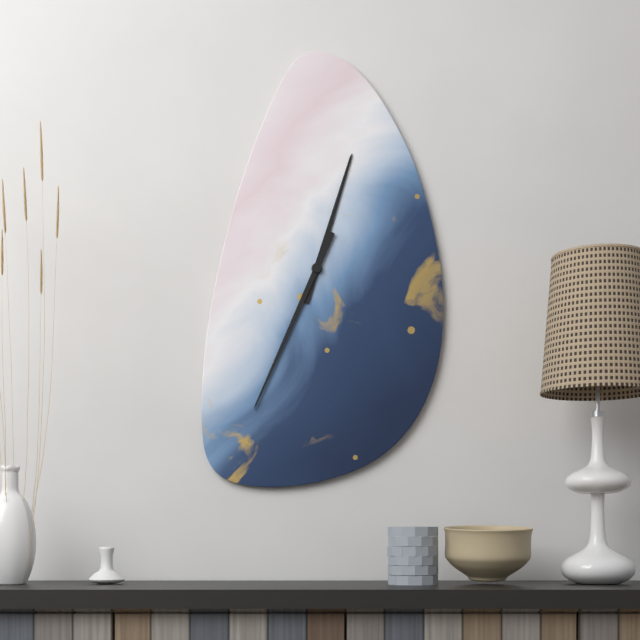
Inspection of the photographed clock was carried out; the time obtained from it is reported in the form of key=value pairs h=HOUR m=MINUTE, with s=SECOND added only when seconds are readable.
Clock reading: h=12 m=34
